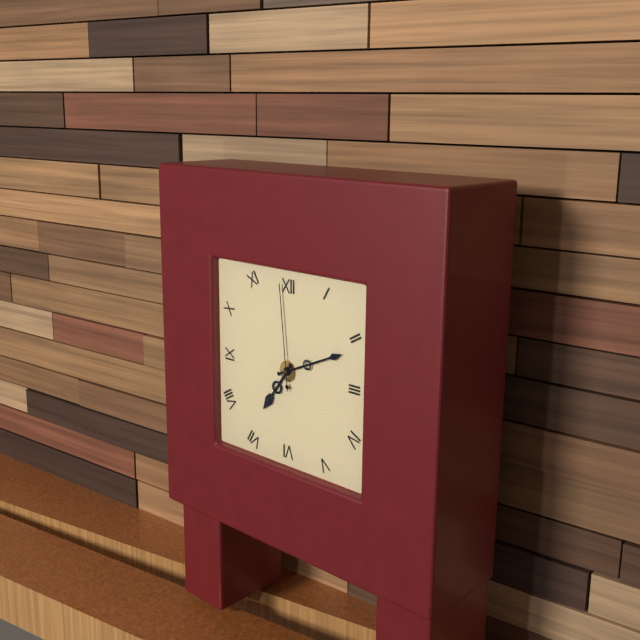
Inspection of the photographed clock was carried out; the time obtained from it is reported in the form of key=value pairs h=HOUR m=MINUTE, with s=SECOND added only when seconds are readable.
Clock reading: h=7 m=11 s=59
